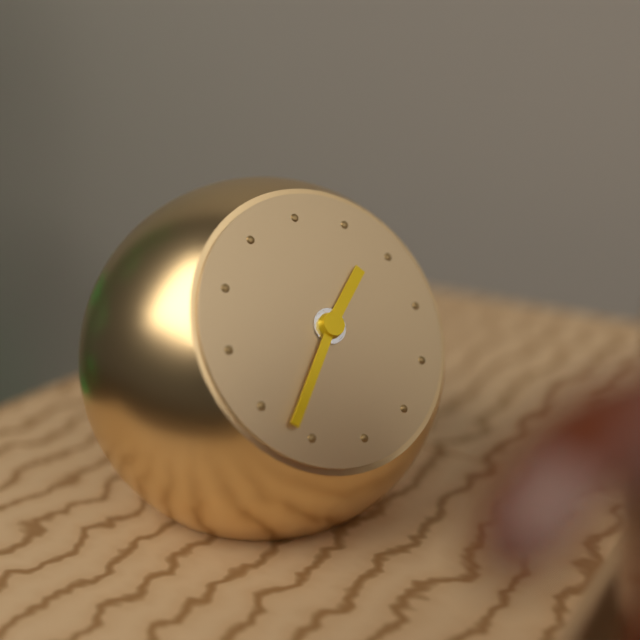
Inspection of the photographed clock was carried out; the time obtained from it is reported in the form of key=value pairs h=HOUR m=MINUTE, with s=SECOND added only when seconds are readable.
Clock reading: h=1 m=37
